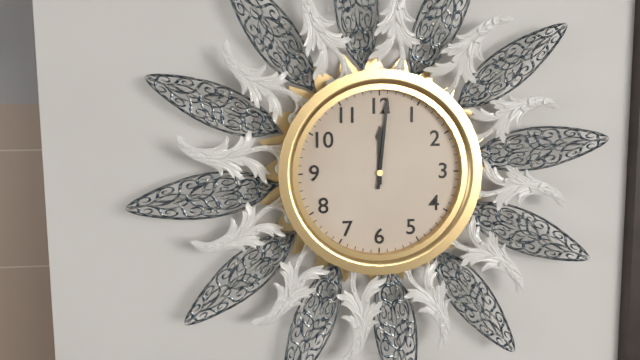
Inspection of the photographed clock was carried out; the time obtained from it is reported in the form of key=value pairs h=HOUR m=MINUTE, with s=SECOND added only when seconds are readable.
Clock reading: h=12 m=1
